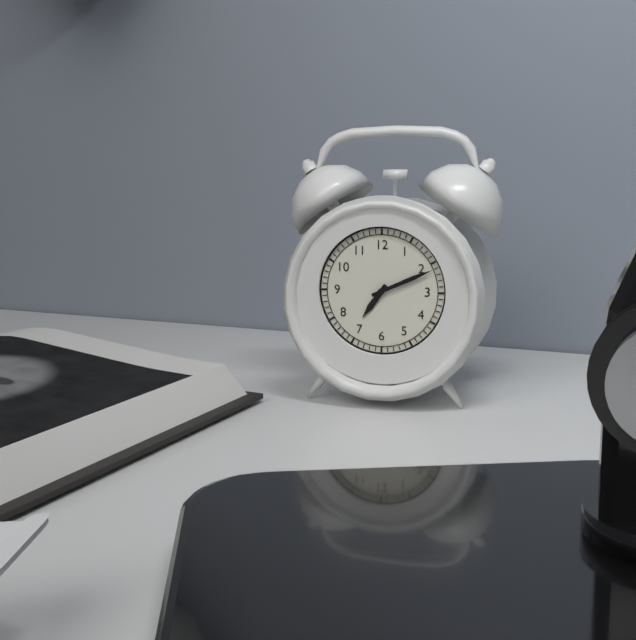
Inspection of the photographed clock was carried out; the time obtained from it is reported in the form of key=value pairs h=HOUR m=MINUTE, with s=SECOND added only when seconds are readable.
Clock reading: h=7 m=11
